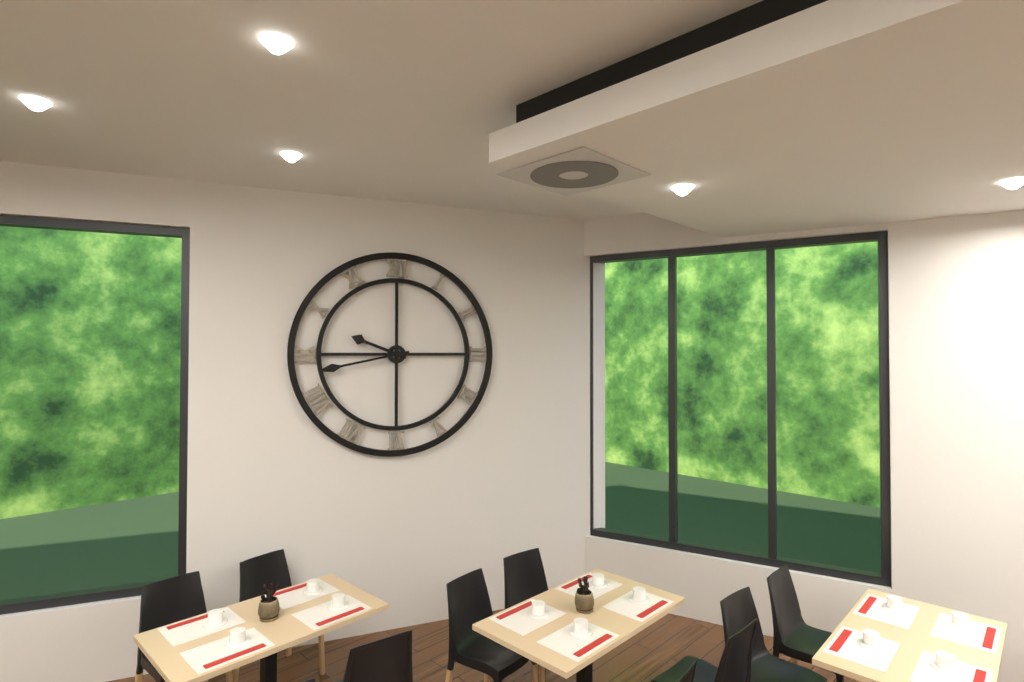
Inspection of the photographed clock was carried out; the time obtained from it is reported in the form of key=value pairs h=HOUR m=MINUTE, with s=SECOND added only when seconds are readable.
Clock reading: h=9 m=43
